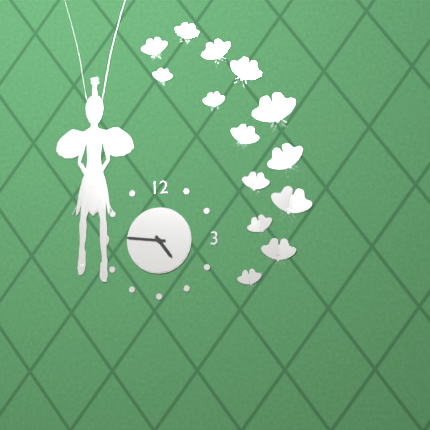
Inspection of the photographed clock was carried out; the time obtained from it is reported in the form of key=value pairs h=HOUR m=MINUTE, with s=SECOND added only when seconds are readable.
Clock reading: h=4 m=46
